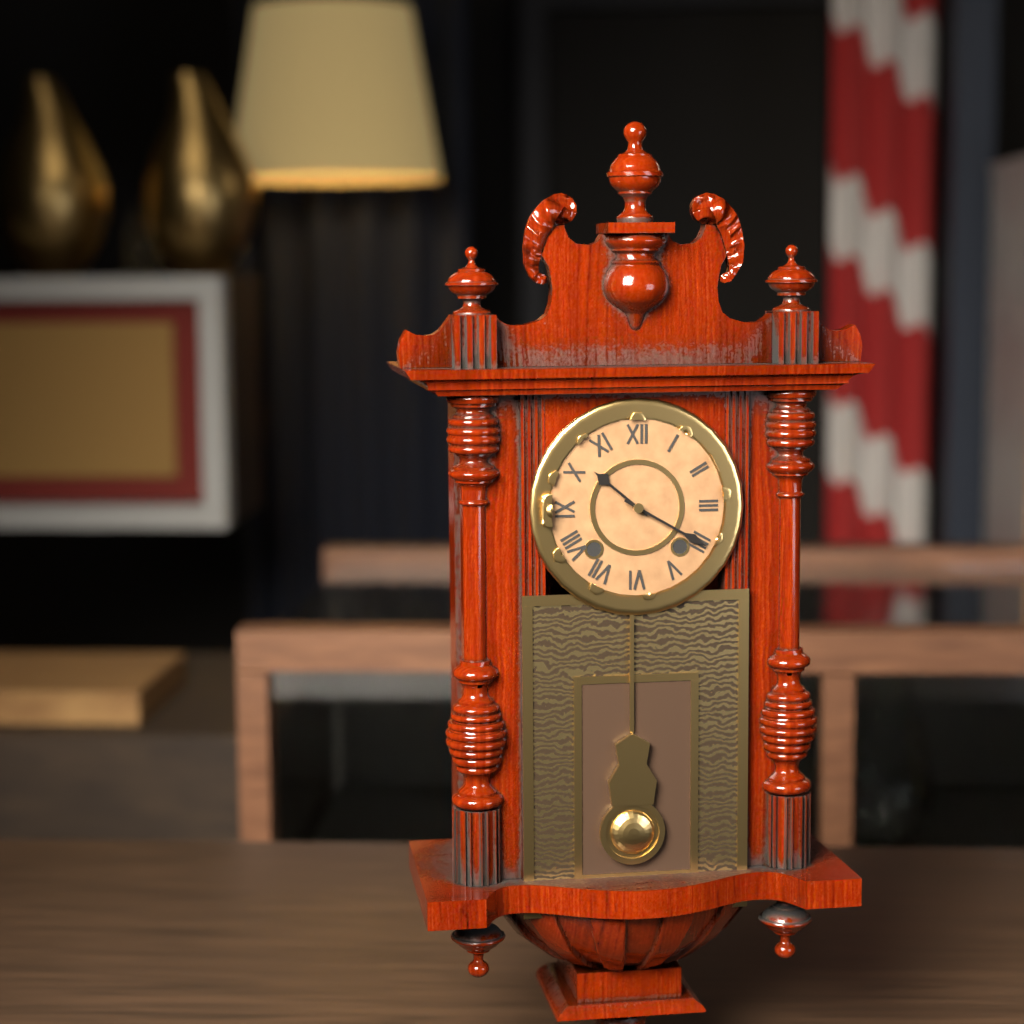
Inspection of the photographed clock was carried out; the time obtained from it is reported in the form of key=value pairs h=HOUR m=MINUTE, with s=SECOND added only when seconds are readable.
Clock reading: h=10 m=20
